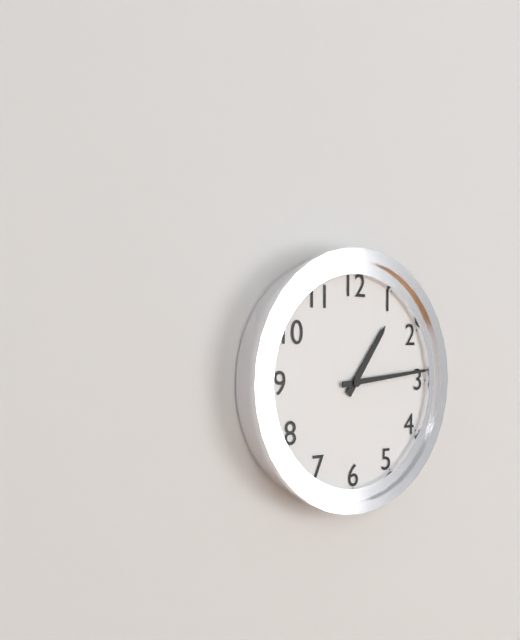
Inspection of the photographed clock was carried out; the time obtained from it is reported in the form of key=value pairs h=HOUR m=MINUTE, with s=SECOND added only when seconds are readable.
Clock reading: h=1 m=14
